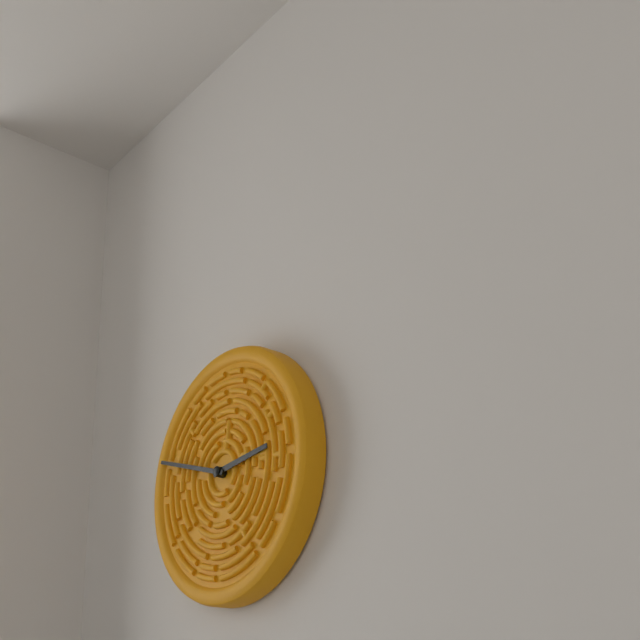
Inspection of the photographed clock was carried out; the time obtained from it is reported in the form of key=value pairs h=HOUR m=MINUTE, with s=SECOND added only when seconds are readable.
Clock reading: h=2 m=48
